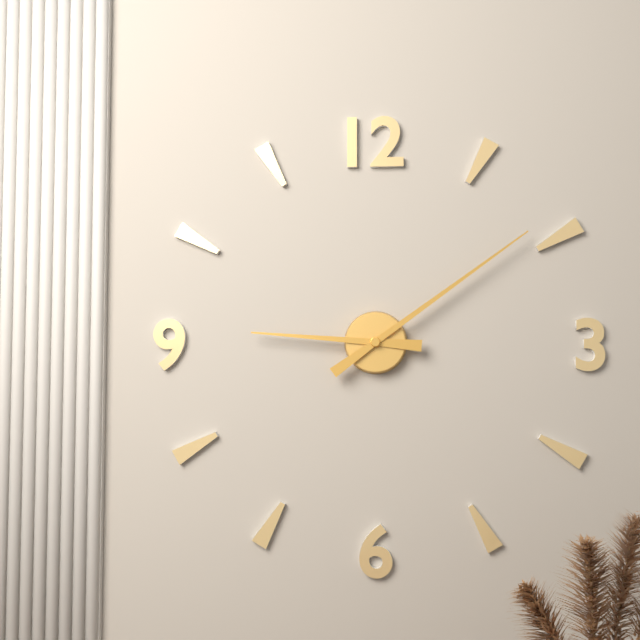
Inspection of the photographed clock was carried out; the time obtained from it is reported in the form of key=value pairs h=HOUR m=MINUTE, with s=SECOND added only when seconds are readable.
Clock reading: h=9 m=9
